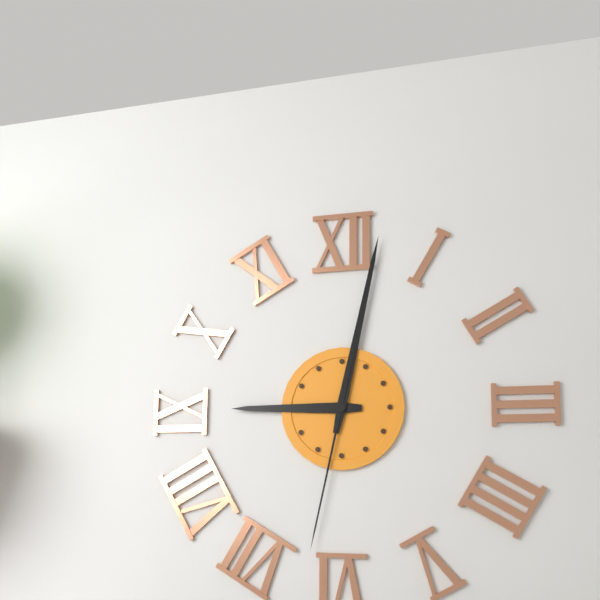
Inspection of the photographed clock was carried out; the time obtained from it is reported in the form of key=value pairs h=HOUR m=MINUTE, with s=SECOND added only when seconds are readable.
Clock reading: h=9 m=2 s=32
